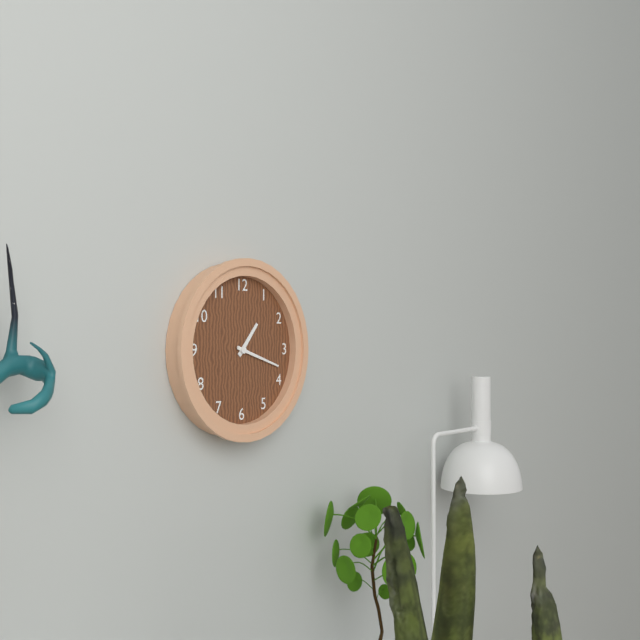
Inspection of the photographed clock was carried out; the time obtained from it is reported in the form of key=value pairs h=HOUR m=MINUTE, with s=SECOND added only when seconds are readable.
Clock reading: h=1 m=18
